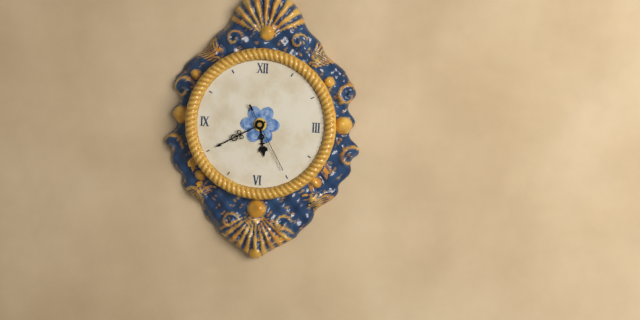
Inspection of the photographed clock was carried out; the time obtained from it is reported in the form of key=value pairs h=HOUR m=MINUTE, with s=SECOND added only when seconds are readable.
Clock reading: h=5 m=40 s=25
